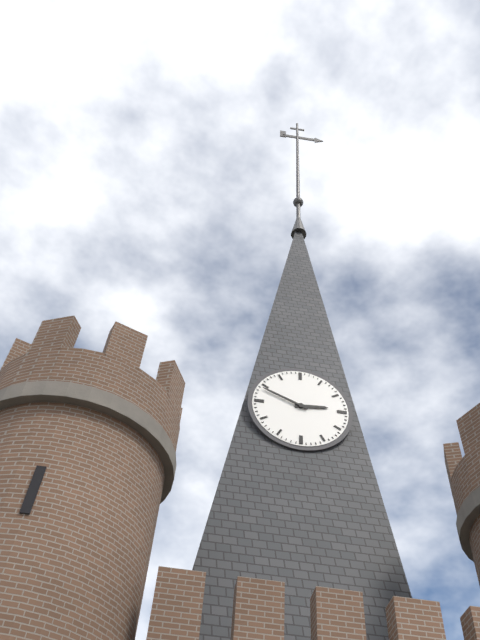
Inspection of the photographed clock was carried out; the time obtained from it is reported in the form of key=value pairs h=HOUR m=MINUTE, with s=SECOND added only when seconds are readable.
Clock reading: h=2 m=49
